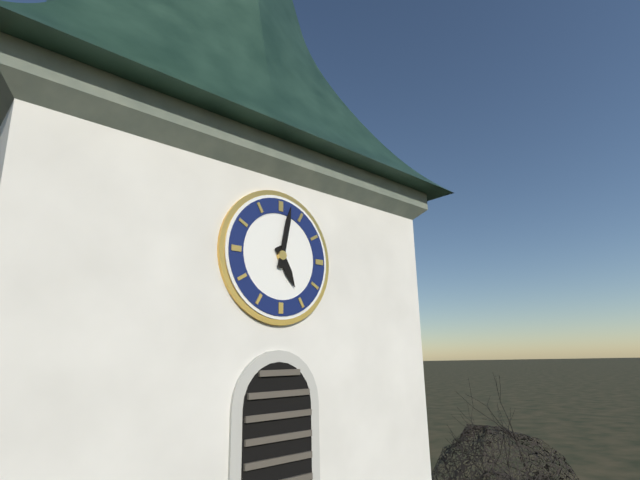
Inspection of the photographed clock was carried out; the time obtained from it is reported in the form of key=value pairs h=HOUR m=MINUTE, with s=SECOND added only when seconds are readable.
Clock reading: h=5 m=2
